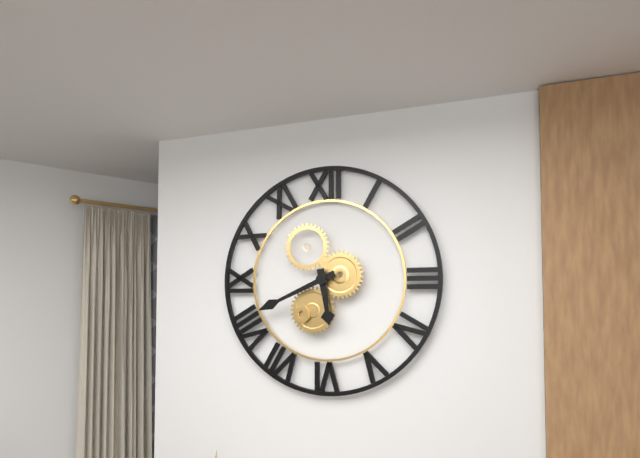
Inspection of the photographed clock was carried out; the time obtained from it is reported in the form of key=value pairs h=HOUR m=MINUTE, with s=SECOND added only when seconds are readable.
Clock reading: h=5 m=41
